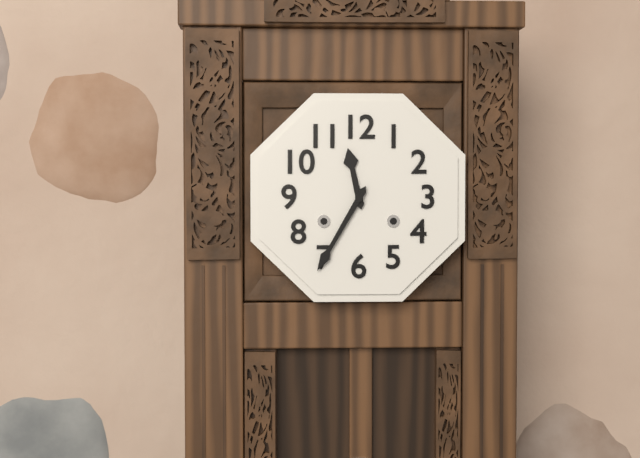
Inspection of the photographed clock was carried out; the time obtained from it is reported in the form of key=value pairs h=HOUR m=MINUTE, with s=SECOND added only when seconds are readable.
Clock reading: h=11 m=35
